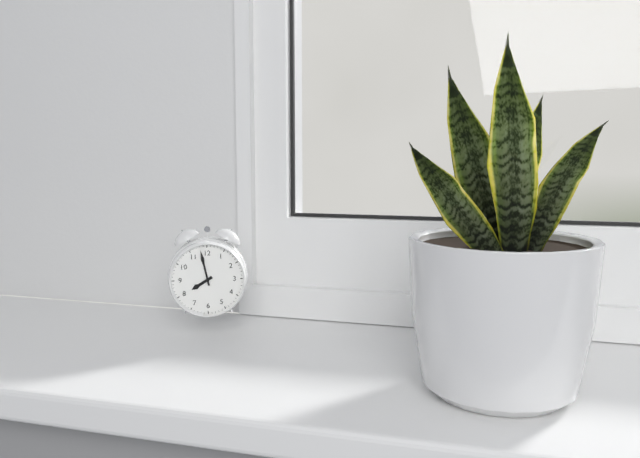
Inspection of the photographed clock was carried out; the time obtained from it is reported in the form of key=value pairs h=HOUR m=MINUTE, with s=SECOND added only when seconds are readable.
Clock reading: h=7 m=58
